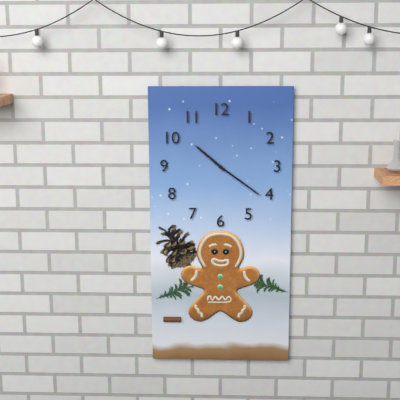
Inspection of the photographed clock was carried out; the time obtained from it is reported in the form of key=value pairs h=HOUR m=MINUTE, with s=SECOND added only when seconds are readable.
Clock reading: h=10 m=21
